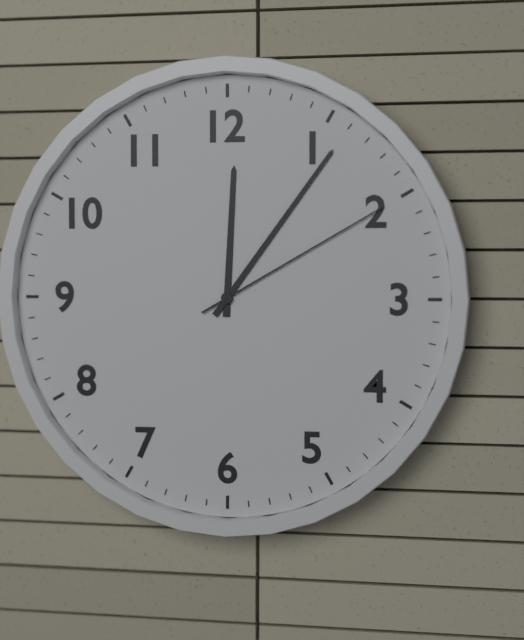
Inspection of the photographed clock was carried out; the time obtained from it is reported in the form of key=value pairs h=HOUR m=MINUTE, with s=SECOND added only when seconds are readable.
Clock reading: h=12 m=6 s=10
